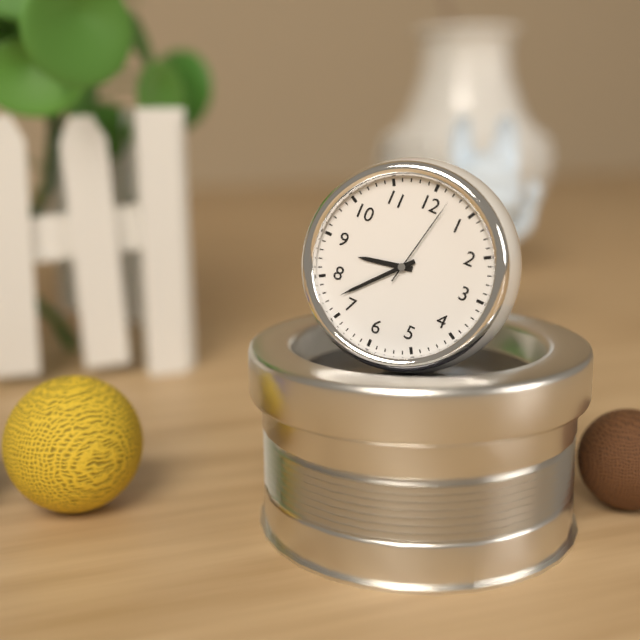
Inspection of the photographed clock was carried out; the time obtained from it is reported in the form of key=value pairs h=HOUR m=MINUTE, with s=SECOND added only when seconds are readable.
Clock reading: h=8 m=37 s=2
